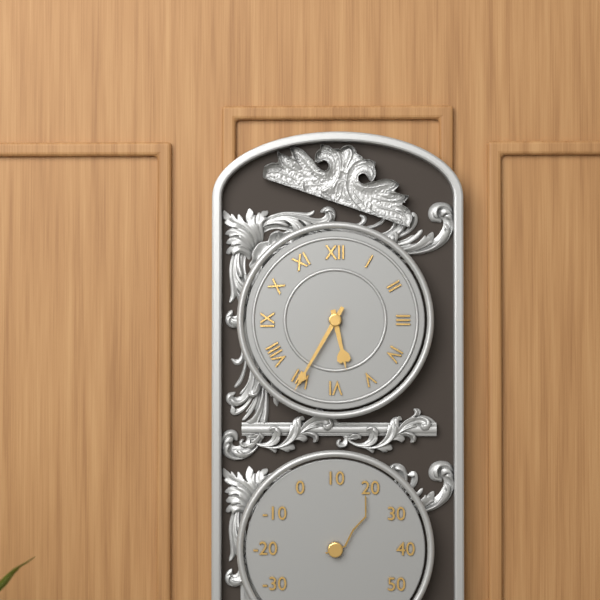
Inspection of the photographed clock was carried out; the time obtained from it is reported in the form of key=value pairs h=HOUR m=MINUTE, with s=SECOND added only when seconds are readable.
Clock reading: h=5 m=35
